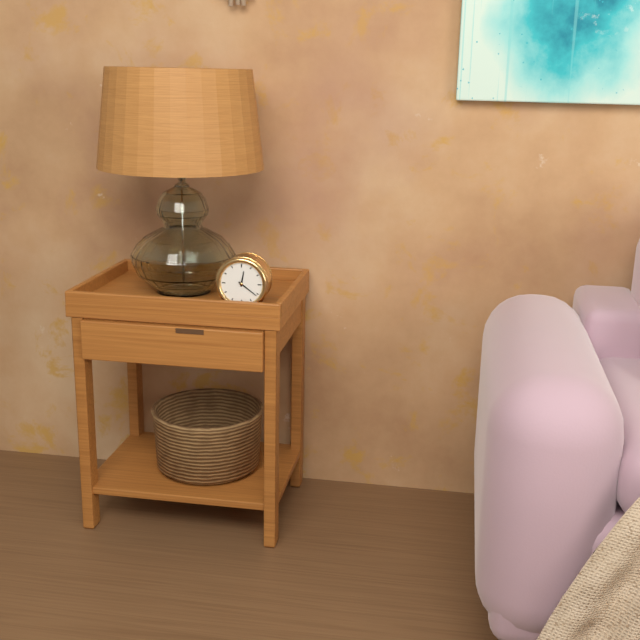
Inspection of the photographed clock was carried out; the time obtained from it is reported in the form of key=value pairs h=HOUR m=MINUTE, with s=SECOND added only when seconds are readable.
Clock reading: h=12 m=21
